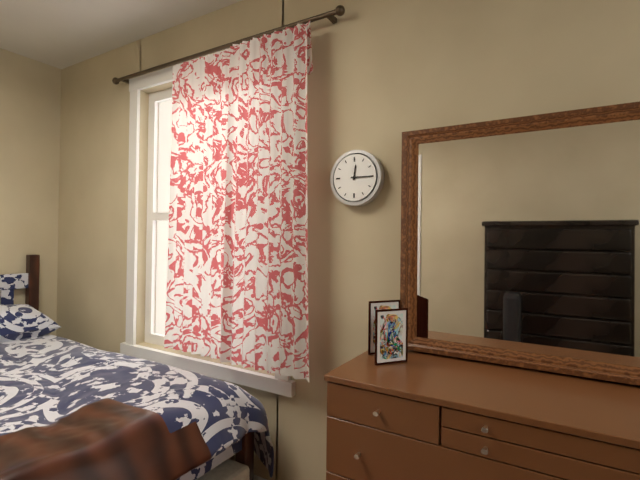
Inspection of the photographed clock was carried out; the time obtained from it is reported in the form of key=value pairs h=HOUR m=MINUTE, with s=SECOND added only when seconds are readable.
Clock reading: h=12 m=15
